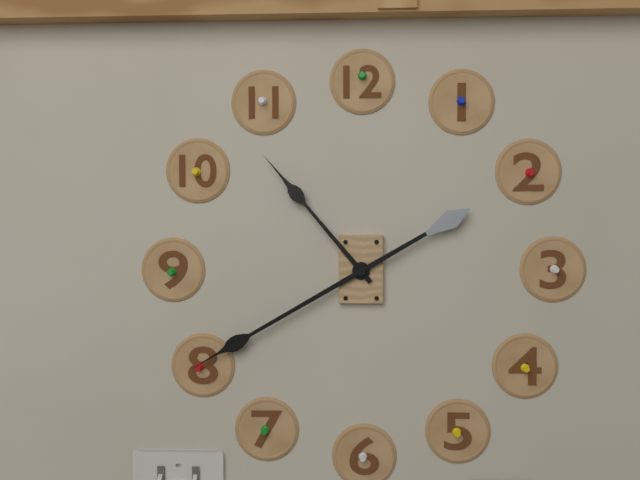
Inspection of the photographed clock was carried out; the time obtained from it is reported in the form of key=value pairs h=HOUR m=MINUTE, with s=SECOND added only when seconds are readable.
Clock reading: h=10 m=40
